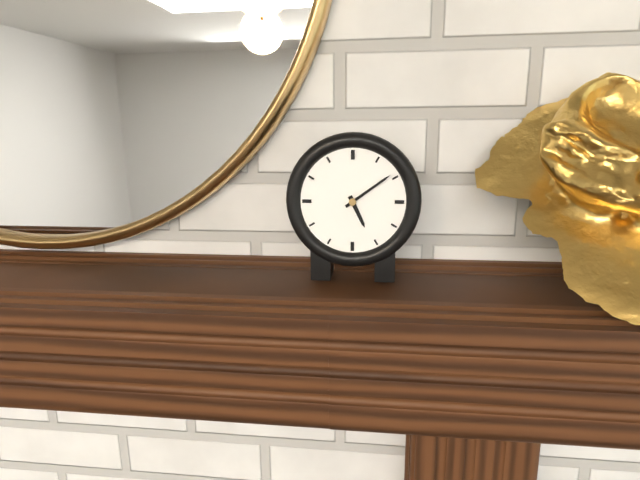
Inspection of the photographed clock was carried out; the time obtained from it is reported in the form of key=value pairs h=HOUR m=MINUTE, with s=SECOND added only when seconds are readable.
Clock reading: h=5 m=9
